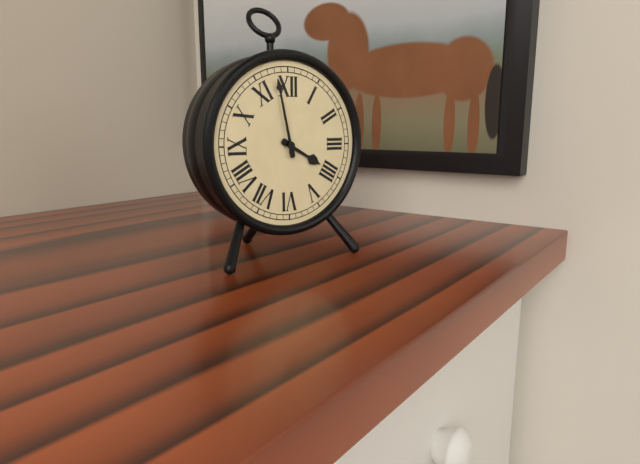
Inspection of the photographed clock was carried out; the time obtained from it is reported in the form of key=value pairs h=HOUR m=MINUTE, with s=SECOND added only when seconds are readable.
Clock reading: h=3 m=58
